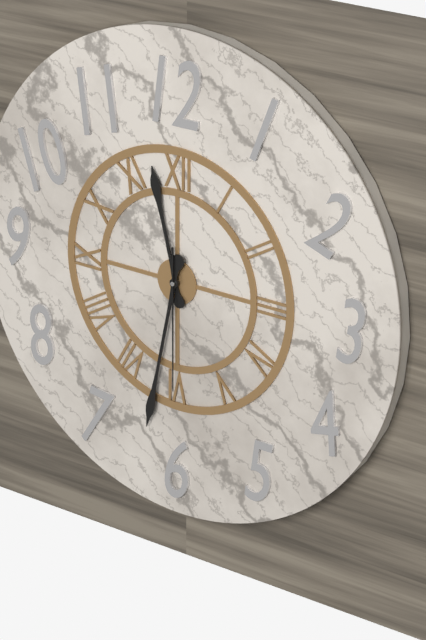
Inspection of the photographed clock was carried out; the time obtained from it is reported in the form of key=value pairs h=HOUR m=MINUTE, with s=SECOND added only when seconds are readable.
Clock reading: h=11 m=32 s=30
